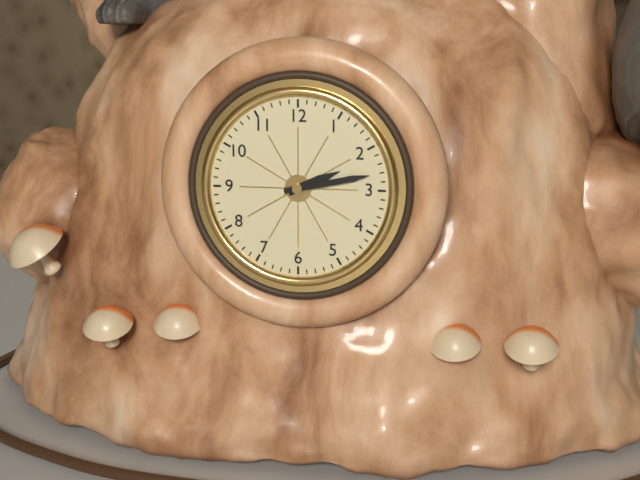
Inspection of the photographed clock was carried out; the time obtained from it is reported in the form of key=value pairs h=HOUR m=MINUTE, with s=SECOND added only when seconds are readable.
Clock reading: h=2 m=13
